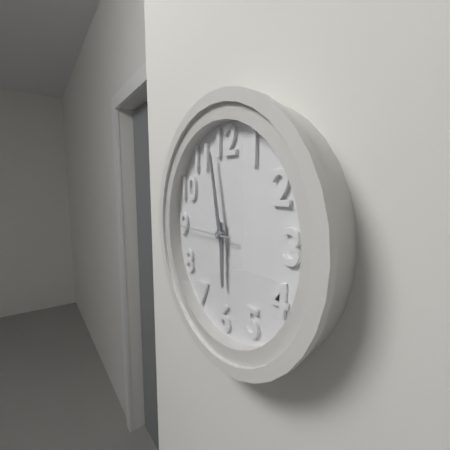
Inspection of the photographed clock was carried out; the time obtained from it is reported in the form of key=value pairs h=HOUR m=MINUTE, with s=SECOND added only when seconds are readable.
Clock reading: h=5 m=58 s=45
